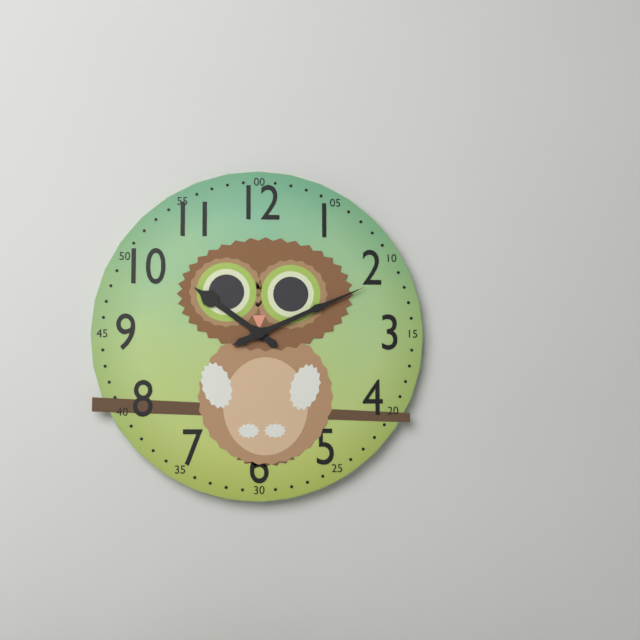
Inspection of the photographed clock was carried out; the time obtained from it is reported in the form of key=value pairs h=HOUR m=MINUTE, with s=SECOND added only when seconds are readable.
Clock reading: h=10 m=11
